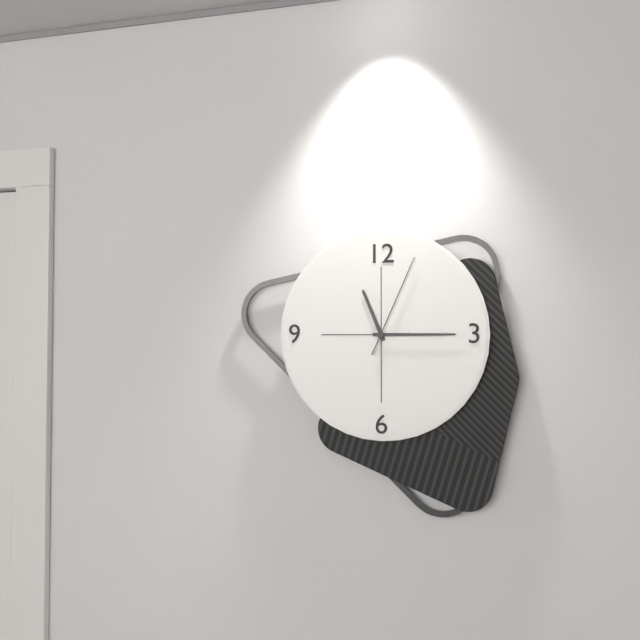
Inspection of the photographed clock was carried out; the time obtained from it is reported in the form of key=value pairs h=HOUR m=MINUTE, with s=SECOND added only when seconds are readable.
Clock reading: h=11 m=15 s=4
